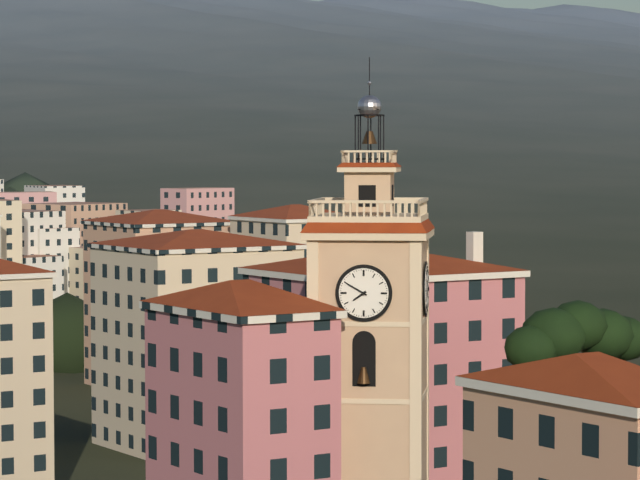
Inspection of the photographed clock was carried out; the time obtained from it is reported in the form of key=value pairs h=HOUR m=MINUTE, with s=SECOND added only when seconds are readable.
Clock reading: h=7 m=50
